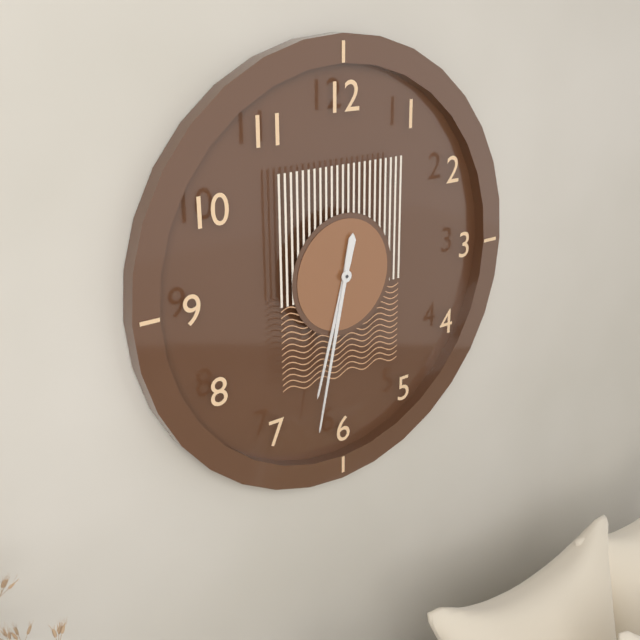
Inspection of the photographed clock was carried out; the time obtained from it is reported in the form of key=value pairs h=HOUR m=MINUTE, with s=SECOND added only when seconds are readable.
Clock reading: h=6 m=32
